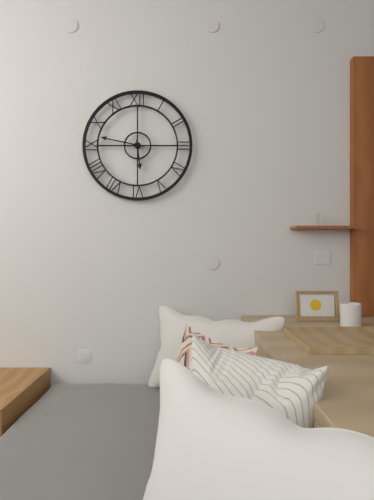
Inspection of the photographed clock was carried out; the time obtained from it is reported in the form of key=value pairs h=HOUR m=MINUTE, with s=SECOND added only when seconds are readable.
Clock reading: h=5 m=47
